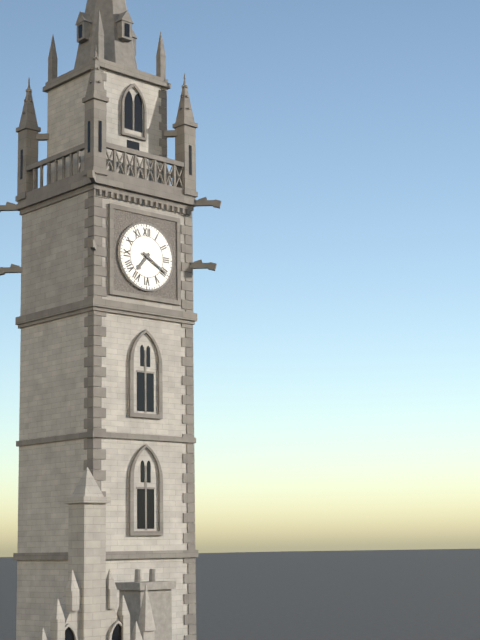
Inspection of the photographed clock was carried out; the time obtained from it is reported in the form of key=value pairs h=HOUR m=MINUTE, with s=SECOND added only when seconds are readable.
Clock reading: h=7 m=20
